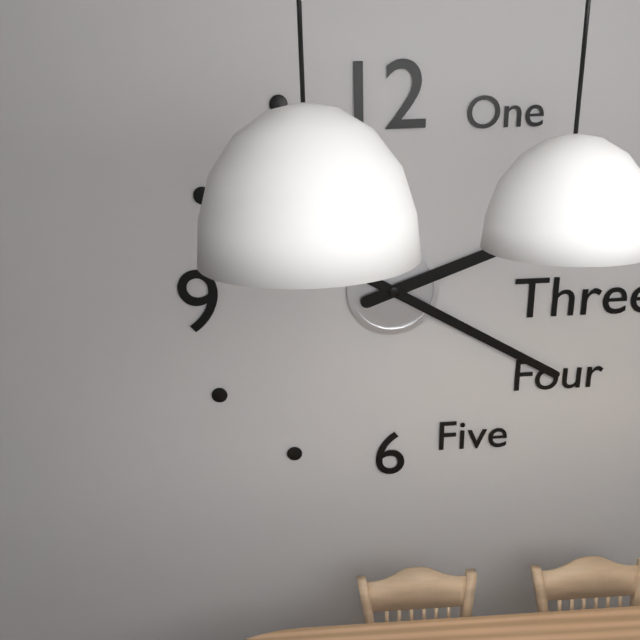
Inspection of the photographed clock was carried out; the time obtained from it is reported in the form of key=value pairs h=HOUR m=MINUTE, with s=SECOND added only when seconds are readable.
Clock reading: h=2 m=20
